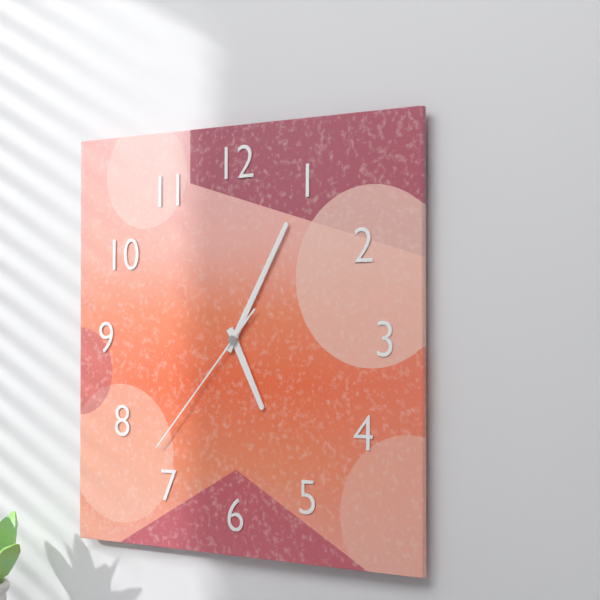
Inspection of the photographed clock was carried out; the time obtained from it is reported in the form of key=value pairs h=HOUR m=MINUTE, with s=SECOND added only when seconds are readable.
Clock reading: h=5 m=5 s=37
